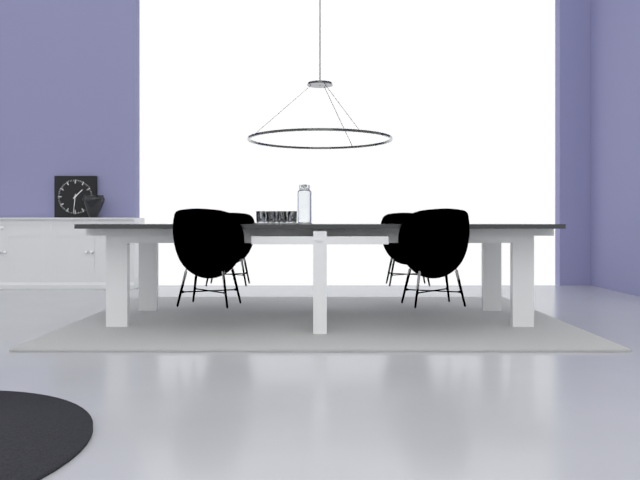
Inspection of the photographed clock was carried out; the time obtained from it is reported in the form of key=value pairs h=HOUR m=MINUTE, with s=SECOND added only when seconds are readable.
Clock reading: h=1 m=31
